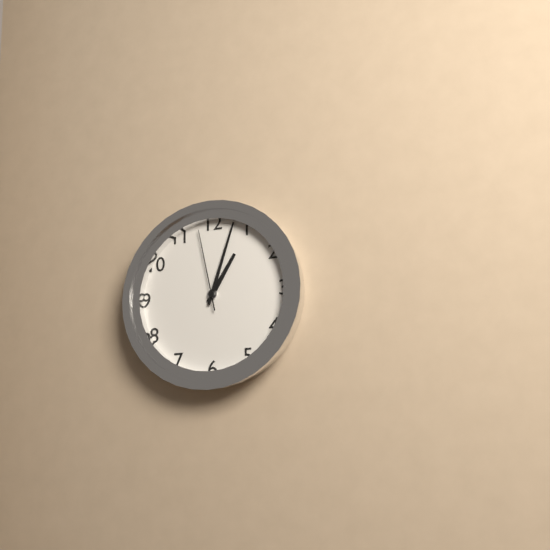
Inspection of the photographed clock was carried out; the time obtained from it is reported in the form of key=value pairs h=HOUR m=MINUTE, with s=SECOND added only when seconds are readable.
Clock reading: h=1 m=3 s=58
